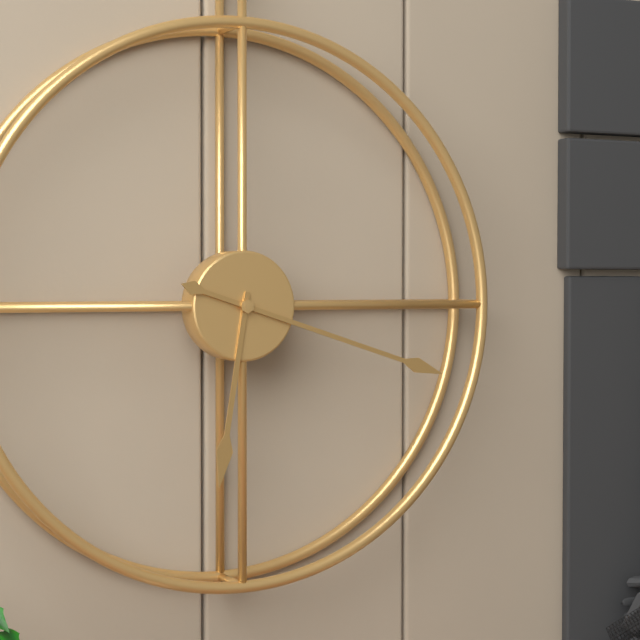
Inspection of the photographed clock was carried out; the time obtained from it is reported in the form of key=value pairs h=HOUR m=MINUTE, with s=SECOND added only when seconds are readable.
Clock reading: h=6 m=18
